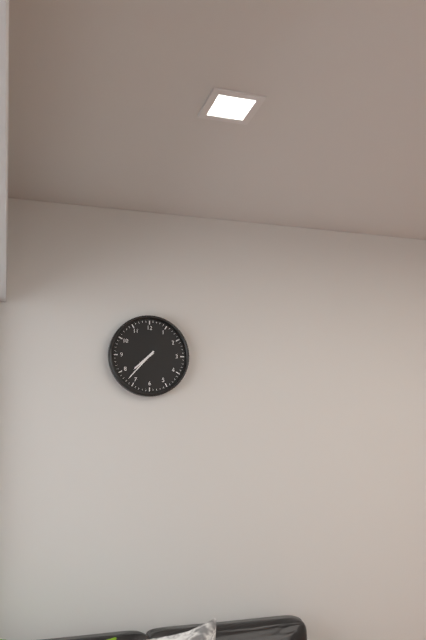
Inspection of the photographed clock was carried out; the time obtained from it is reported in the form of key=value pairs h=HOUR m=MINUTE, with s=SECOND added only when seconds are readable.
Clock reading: h=7 m=37
